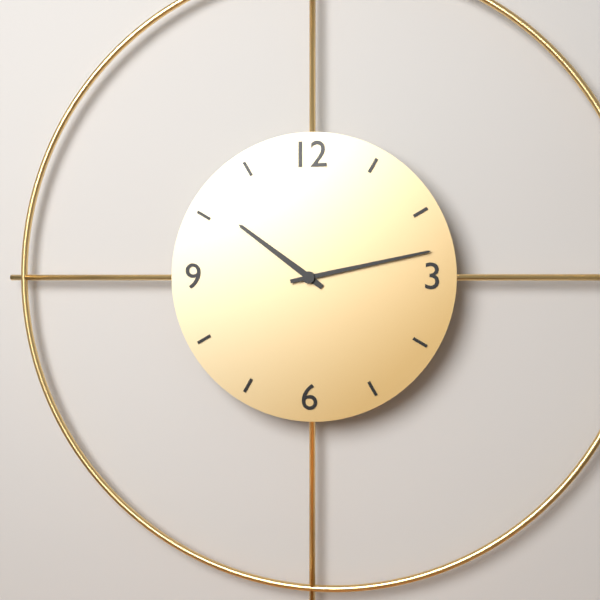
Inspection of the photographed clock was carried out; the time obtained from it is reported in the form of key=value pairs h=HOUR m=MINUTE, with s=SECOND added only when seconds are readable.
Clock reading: h=10 m=13
